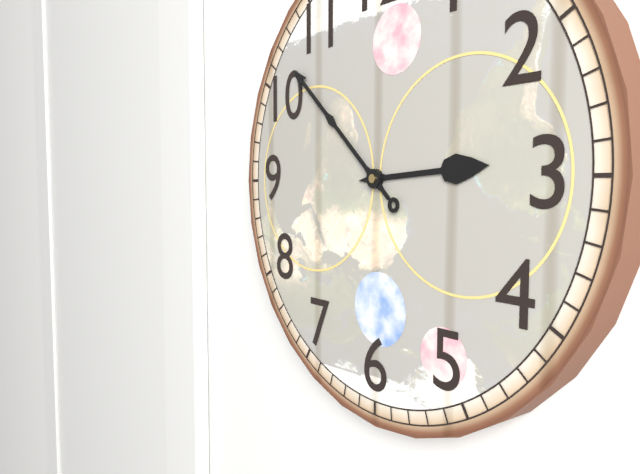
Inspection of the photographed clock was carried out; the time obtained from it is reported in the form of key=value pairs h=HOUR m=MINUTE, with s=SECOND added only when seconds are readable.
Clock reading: h=2 m=52
